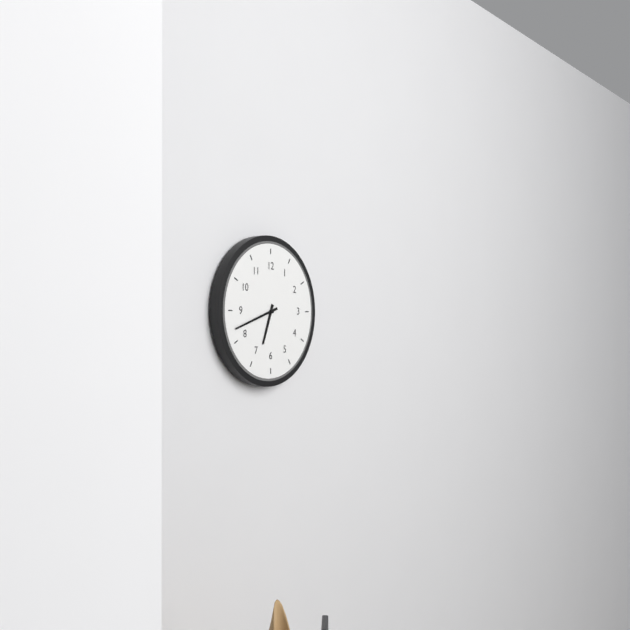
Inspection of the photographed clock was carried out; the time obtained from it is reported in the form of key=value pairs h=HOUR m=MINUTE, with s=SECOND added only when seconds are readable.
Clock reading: h=6 m=42
